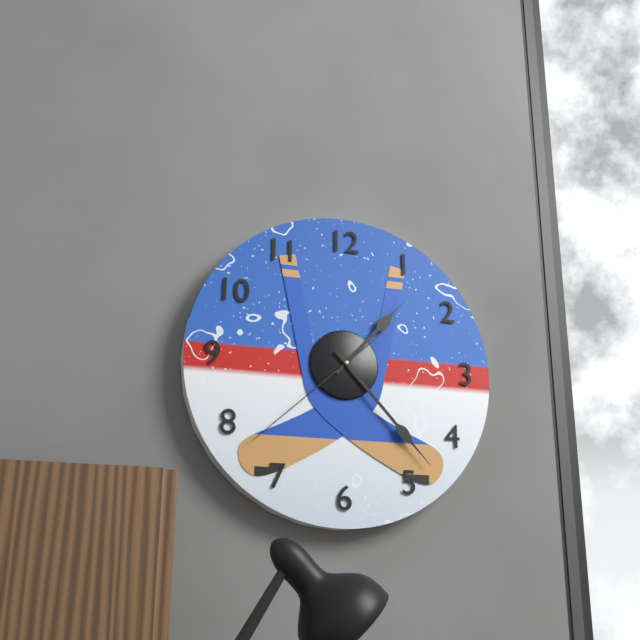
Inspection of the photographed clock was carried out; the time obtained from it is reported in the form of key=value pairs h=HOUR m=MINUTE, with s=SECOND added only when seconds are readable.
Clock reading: h=1 m=23 s=38
